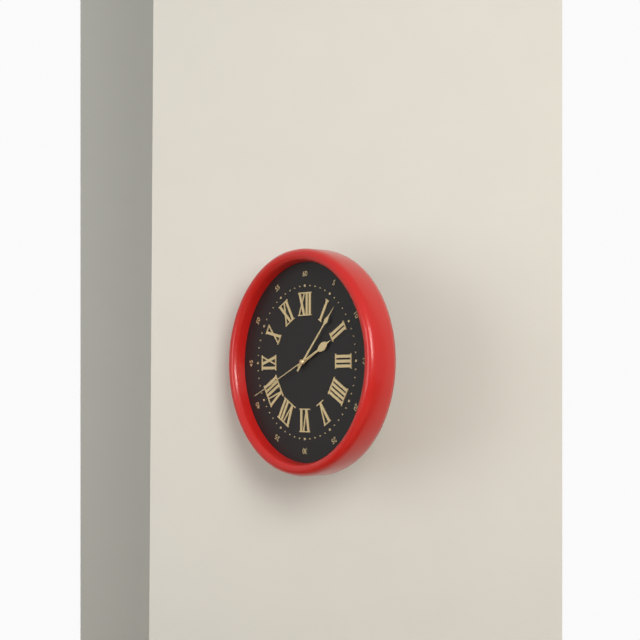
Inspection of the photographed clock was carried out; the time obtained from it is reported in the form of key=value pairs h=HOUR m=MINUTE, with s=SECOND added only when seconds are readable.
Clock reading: h=2 m=7 s=41
